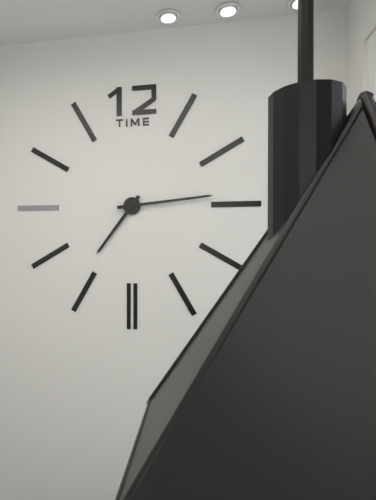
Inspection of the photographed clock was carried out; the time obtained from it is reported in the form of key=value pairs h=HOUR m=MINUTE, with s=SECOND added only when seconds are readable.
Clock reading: h=7 m=14
